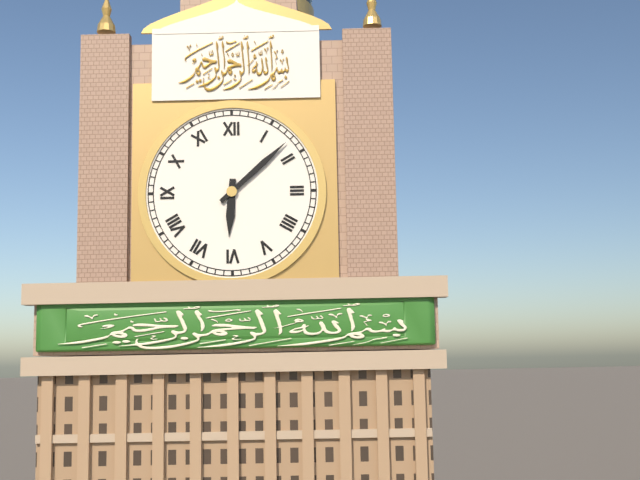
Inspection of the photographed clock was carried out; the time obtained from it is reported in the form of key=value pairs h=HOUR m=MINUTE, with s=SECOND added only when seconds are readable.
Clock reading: h=6 m=8
